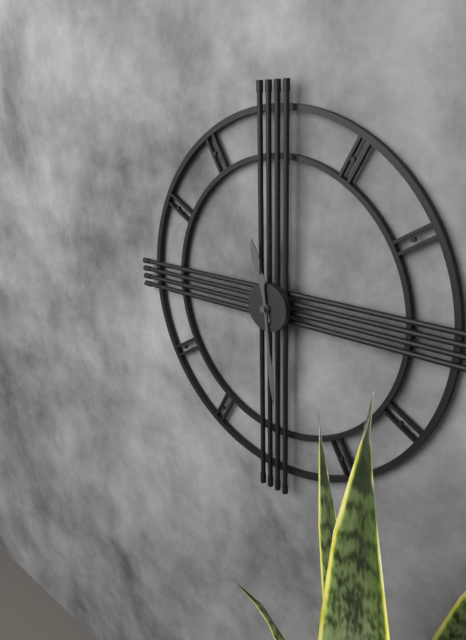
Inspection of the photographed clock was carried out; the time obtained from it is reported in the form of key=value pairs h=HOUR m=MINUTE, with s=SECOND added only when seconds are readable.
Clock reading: h=11 m=29
